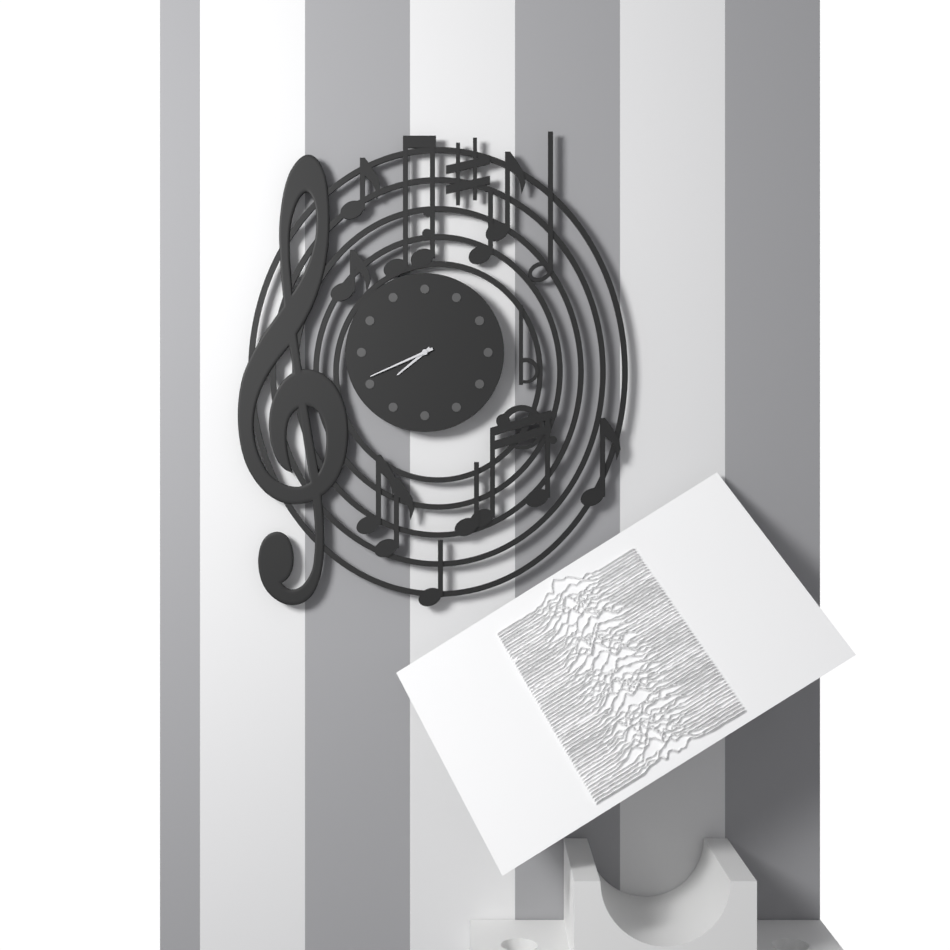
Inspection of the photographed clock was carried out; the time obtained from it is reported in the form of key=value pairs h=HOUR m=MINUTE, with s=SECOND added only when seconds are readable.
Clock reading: h=7 m=41
